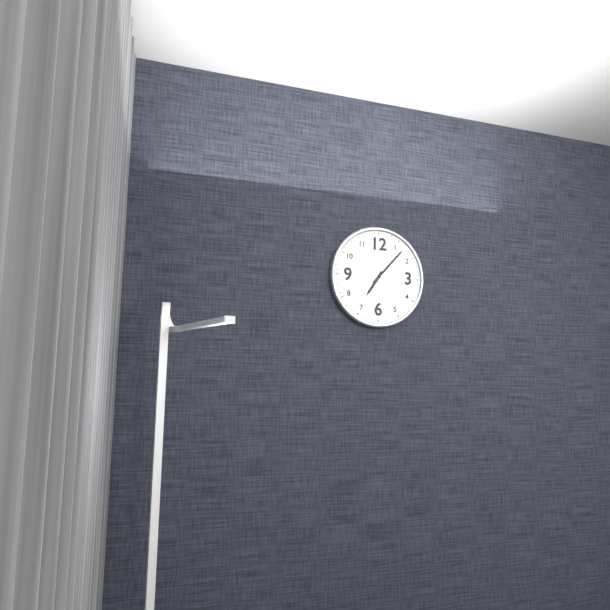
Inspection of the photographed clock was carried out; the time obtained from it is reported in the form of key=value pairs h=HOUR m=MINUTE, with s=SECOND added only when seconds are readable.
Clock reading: h=7 m=7
